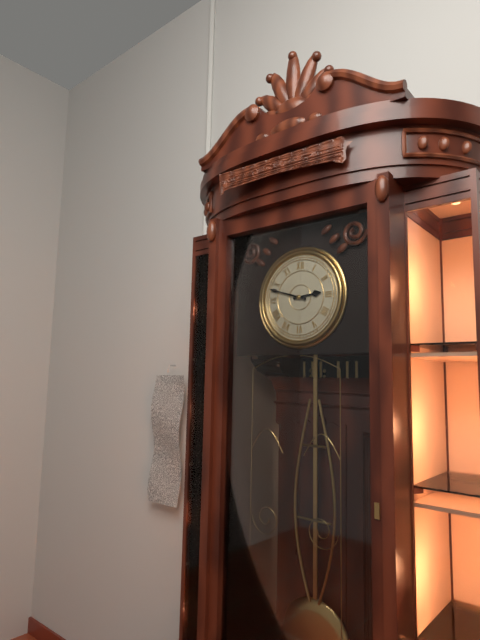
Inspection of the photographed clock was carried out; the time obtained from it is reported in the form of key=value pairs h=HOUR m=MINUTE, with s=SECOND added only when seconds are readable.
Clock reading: h=2 m=48
